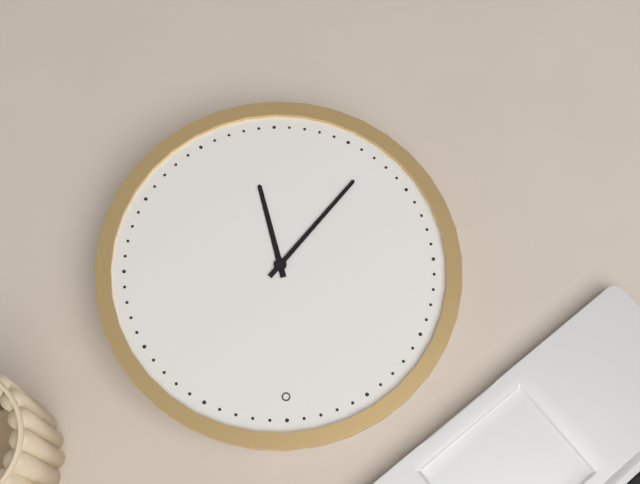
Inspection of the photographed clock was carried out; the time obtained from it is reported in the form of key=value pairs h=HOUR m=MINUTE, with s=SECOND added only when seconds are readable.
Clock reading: h=5 m=37
